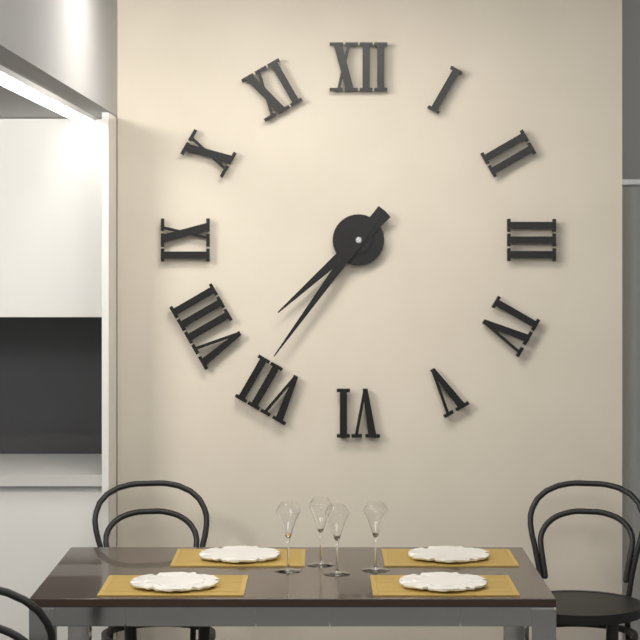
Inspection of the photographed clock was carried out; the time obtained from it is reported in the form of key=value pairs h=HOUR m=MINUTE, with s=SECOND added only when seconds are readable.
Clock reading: h=7 m=36
